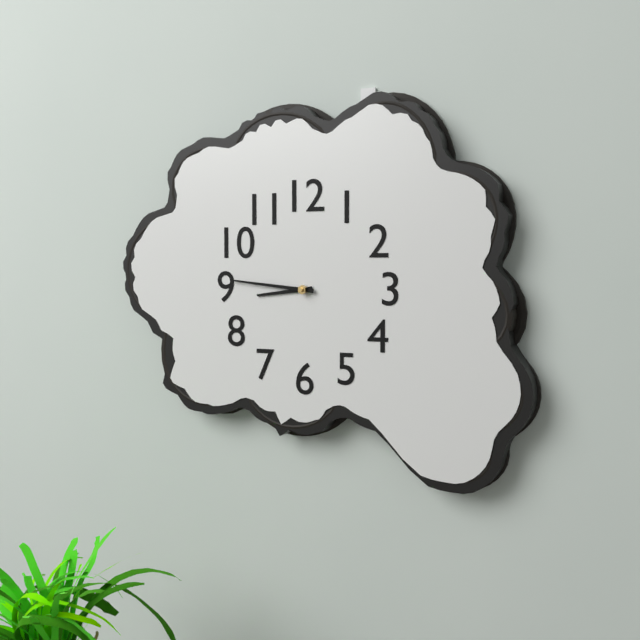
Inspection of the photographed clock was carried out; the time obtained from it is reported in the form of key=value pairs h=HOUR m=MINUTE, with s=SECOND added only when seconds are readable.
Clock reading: h=8 m=46
